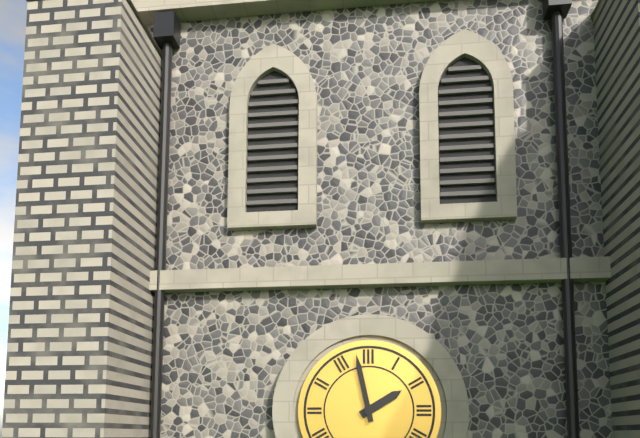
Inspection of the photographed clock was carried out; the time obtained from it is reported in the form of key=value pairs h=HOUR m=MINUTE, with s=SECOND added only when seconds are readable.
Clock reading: h=1 m=58
